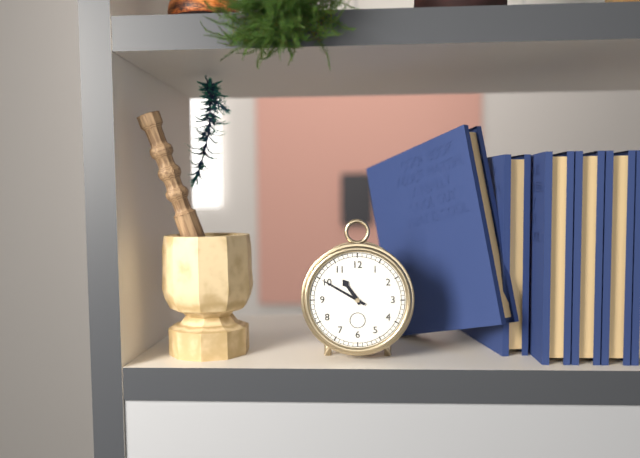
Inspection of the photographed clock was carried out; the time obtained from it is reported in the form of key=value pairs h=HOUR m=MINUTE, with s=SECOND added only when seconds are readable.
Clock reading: h=10 m=50
